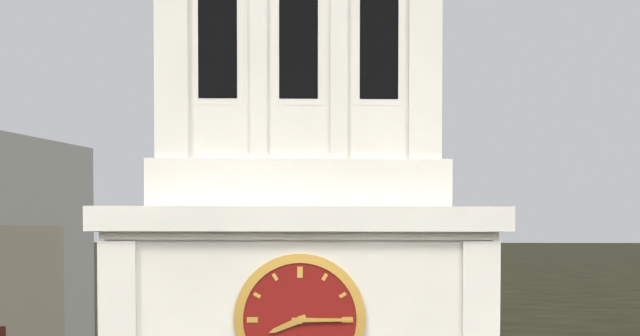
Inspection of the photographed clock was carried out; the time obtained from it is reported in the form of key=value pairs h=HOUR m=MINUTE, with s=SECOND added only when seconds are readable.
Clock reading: h=8 m=15
